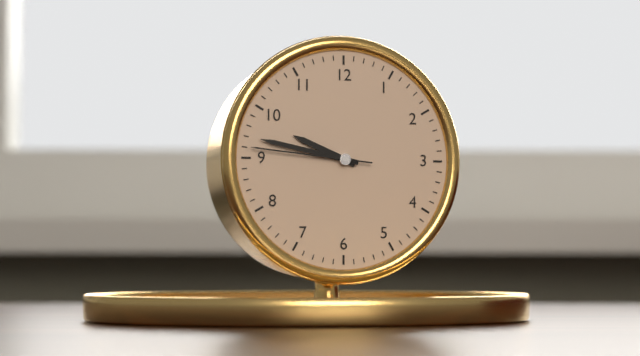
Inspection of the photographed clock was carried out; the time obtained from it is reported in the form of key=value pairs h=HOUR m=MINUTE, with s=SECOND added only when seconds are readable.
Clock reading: h=9 m=47 s=46
